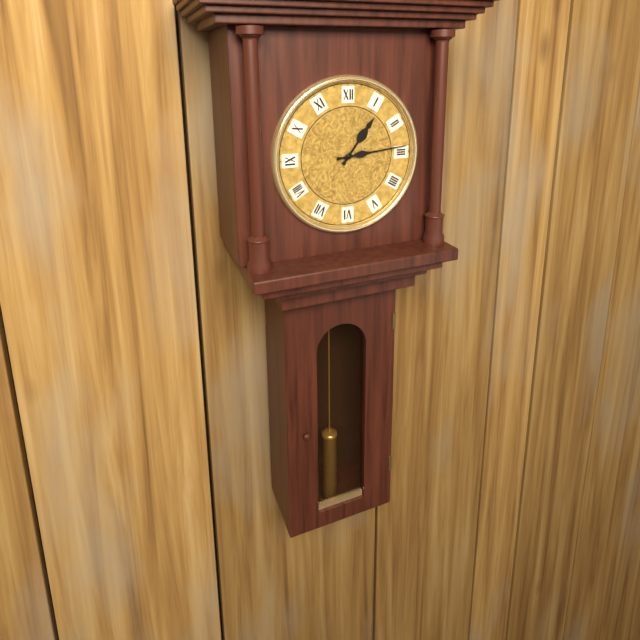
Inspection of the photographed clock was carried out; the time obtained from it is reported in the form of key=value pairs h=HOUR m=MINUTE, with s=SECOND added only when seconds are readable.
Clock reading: h=1 m=14
